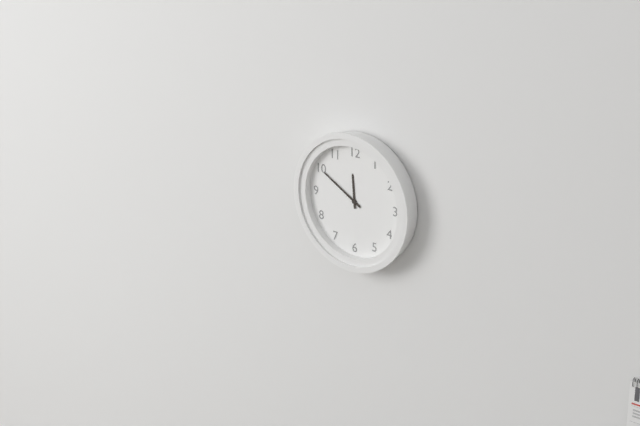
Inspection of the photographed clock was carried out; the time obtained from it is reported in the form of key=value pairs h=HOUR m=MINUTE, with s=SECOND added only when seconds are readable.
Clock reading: h=11 m=50
